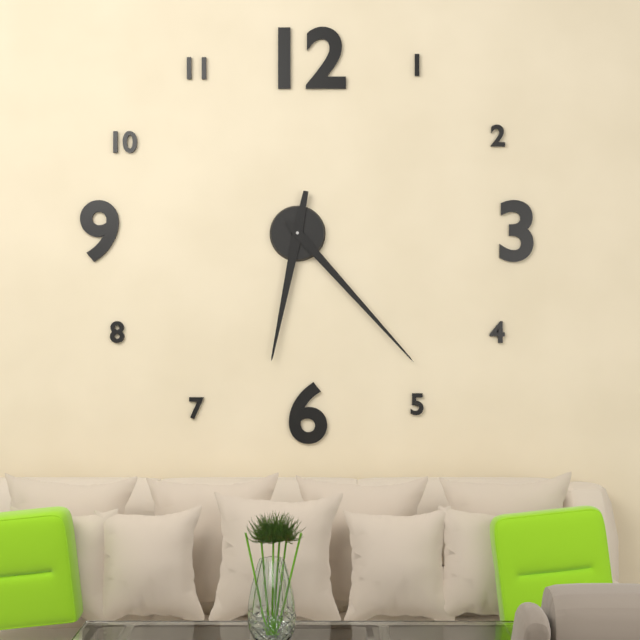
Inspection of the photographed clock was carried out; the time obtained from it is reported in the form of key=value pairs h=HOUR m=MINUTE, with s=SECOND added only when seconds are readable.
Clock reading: h=6 m=23
